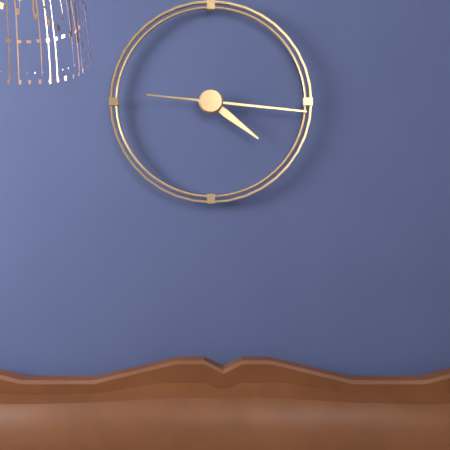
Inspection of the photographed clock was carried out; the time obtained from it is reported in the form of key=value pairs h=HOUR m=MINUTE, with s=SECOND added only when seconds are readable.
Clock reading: h=4 m=16
